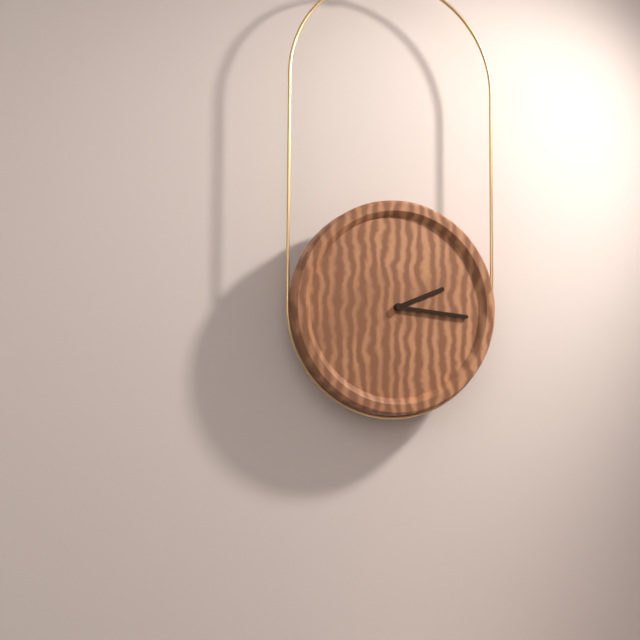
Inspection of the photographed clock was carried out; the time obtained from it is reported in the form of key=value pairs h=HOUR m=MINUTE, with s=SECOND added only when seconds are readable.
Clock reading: h=2 m=16
